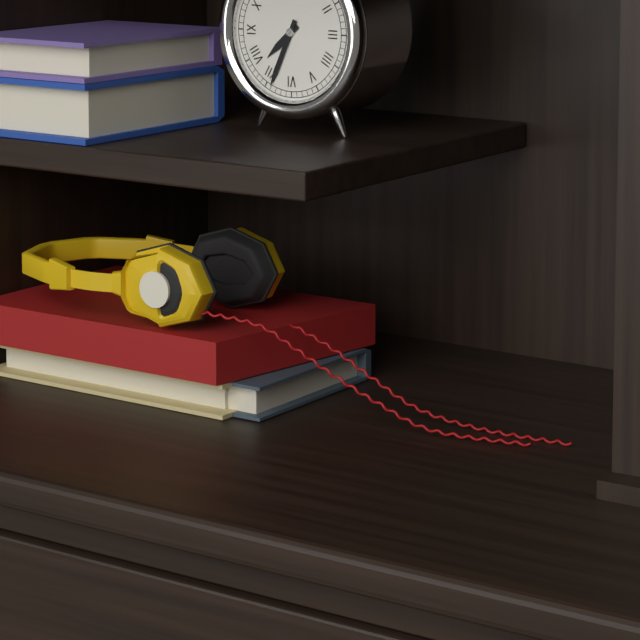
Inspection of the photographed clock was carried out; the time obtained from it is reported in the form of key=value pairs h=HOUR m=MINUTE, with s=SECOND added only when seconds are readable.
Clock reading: h=7 m=34
